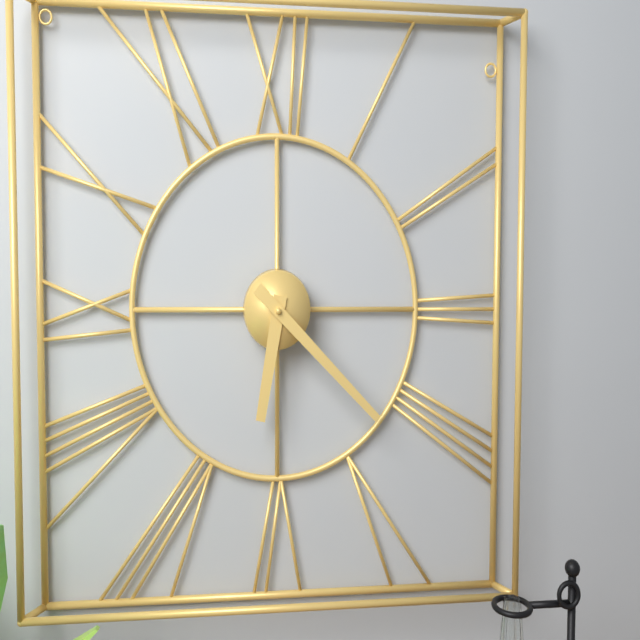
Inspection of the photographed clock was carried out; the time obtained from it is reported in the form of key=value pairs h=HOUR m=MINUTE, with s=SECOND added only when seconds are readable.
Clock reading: h=6 m=22
